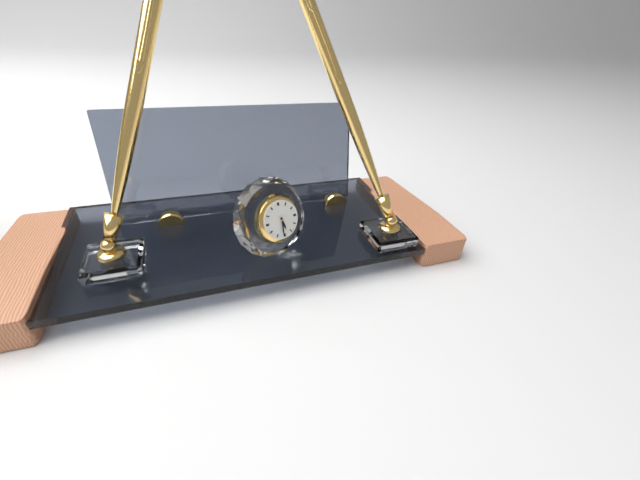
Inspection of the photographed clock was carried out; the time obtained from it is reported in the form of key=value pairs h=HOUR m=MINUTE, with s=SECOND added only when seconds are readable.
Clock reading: h=5 m=31
